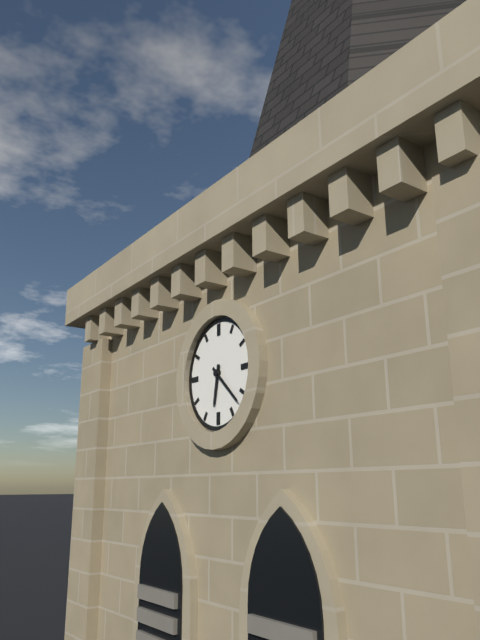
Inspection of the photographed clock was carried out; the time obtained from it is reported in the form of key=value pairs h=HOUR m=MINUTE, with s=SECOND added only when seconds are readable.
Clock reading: h=6 m=22
